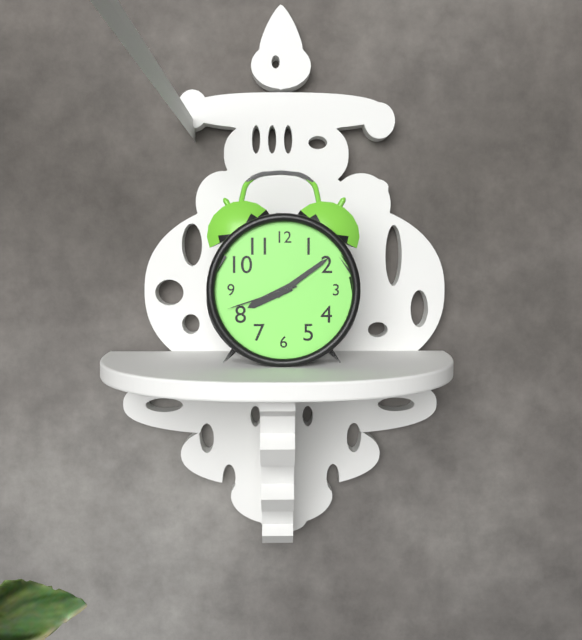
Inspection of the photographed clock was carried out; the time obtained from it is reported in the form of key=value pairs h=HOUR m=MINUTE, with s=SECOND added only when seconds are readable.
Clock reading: h=8 m=9 s=42
